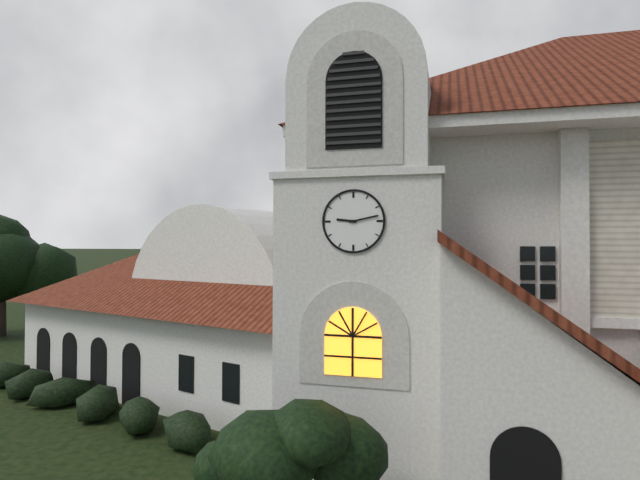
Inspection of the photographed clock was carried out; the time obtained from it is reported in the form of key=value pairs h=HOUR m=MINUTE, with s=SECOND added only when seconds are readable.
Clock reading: h=9 m=13
